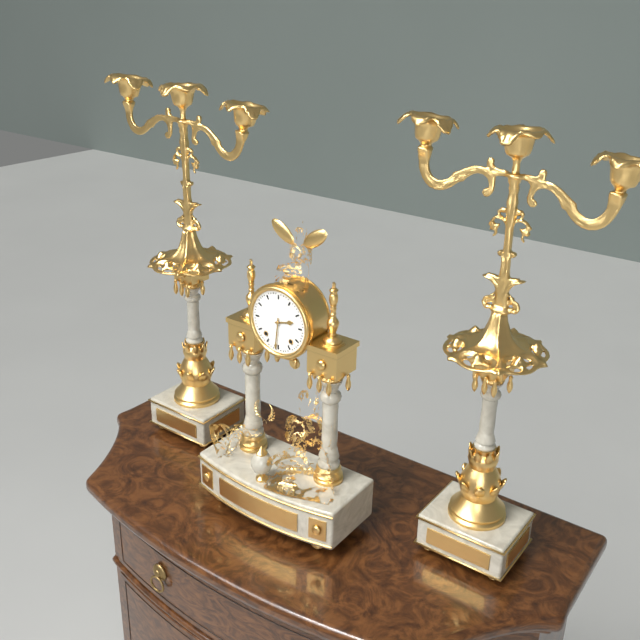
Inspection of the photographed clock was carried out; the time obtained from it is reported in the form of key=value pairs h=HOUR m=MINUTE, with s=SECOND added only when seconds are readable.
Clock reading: h=2 m=31
